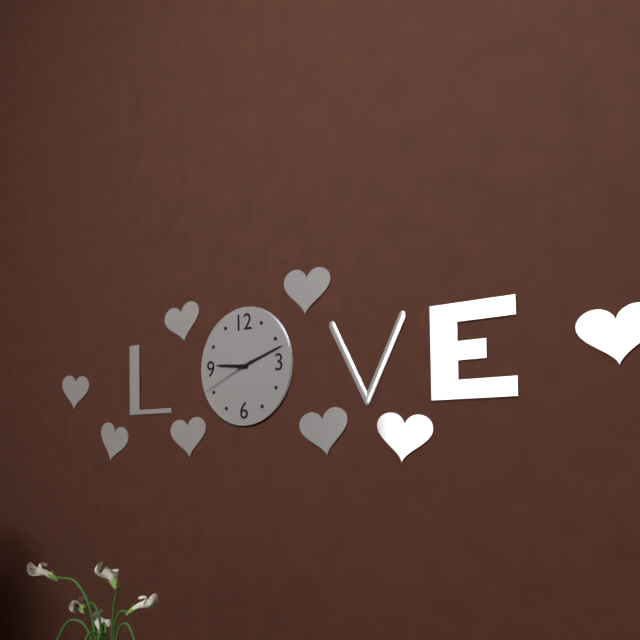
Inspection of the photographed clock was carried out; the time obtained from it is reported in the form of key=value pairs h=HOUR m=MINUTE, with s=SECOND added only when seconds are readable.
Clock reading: h=9 m=12 s=41
